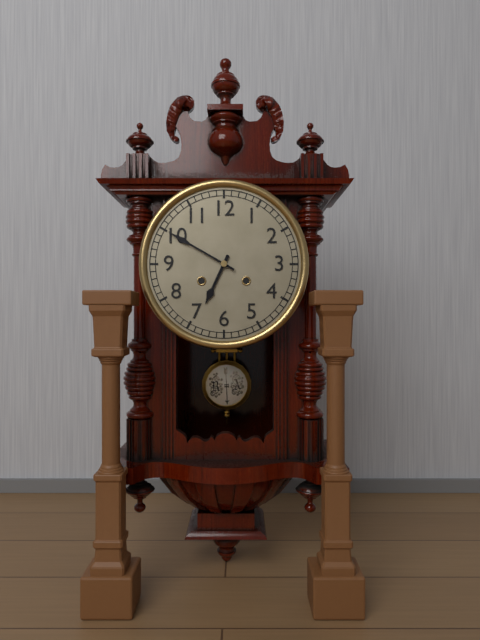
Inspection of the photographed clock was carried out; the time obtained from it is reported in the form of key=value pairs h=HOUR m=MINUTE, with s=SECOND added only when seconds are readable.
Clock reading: h=6 m=50
